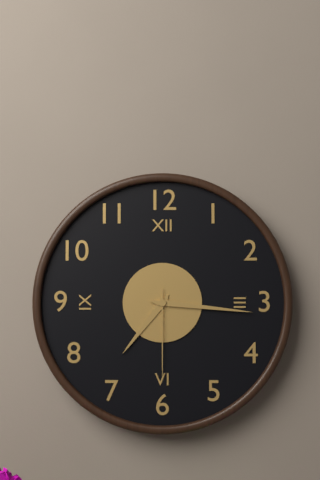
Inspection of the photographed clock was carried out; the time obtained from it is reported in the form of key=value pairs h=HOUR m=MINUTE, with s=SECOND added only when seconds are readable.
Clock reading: h=7 m=16 s=30
